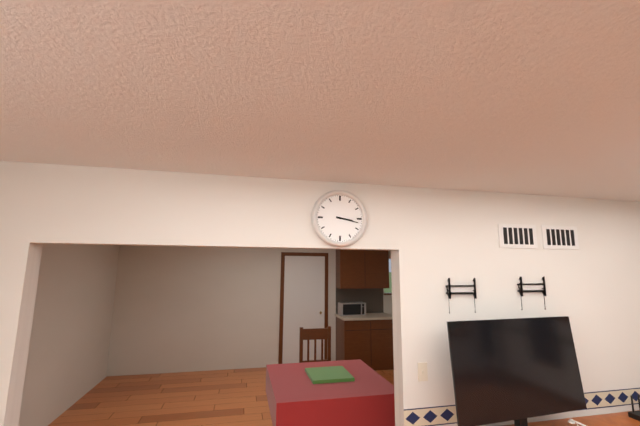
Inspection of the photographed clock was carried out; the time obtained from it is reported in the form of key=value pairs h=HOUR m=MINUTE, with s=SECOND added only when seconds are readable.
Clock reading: h=3 m=17
